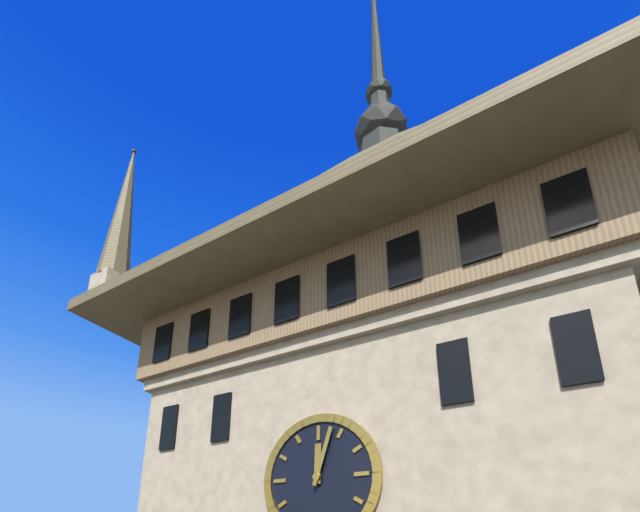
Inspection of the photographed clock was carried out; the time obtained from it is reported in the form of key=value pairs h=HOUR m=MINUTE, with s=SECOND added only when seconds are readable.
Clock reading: h=12 m=3
